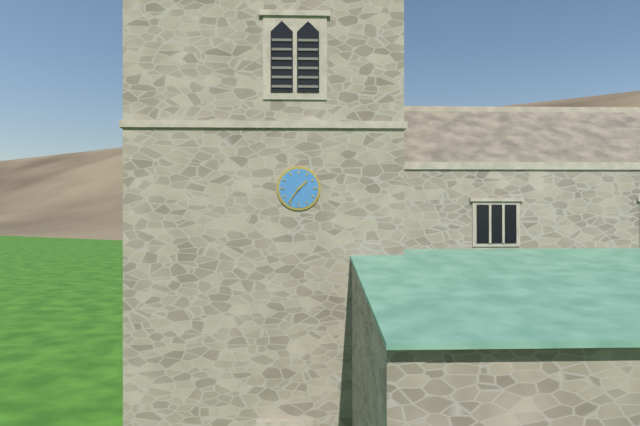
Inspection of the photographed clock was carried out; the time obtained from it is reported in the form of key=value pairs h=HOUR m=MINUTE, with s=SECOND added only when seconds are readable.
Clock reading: h=1 m=36
